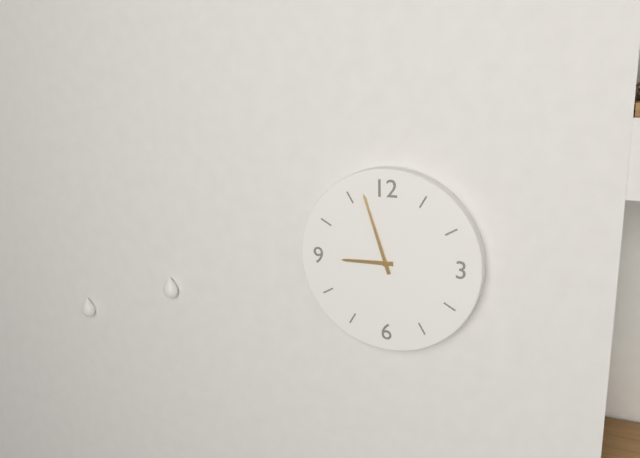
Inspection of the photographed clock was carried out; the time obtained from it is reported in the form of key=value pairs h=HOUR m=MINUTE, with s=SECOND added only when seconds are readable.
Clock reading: h=8 m=57
